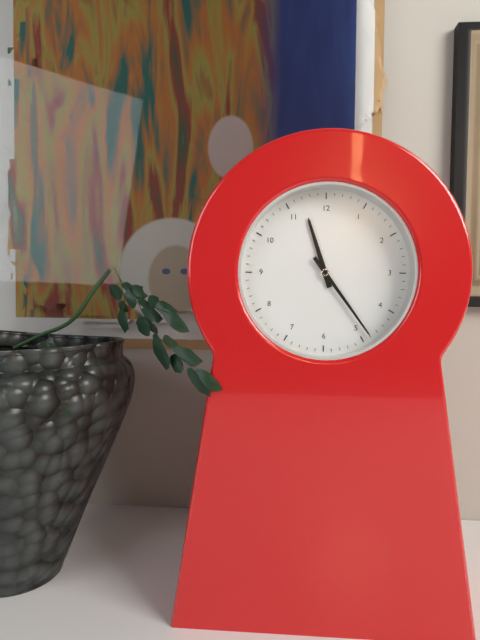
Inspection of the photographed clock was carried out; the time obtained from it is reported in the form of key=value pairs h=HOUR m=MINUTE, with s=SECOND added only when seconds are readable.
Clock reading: h=11 m=24
